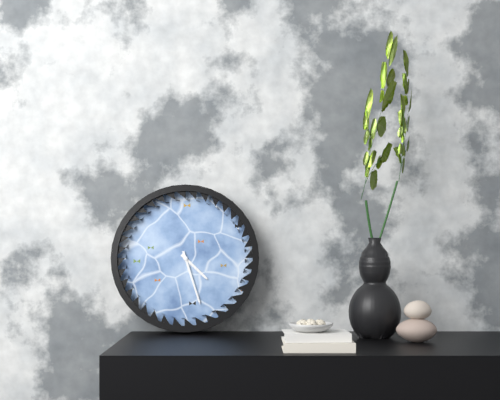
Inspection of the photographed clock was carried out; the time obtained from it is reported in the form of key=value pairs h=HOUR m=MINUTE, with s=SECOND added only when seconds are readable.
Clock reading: h=4 m=27
